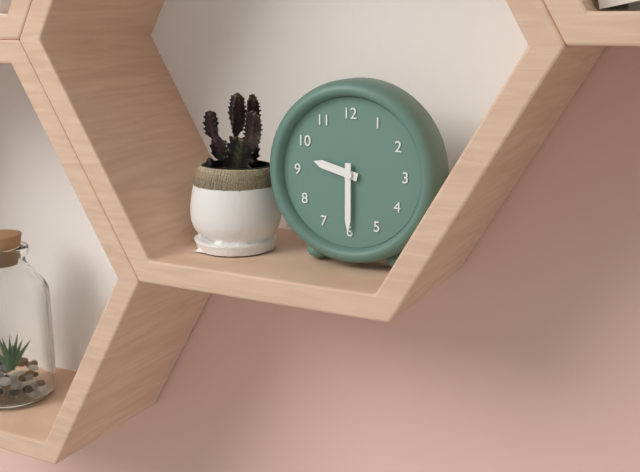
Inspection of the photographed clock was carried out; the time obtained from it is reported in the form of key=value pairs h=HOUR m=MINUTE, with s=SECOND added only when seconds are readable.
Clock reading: h=9 m=30
